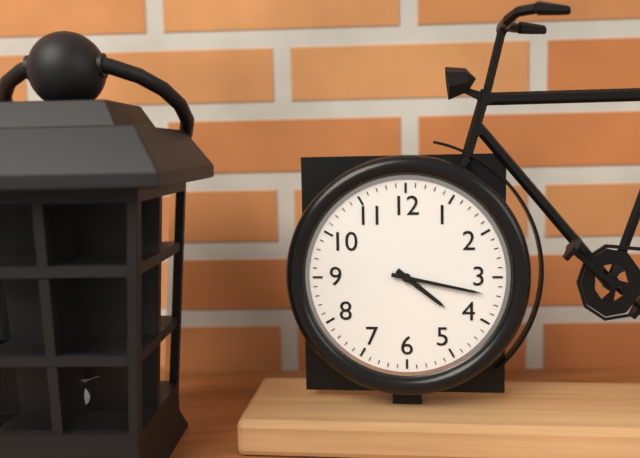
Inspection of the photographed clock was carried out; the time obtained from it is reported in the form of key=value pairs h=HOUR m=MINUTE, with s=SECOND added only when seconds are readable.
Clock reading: h=4 m=17
